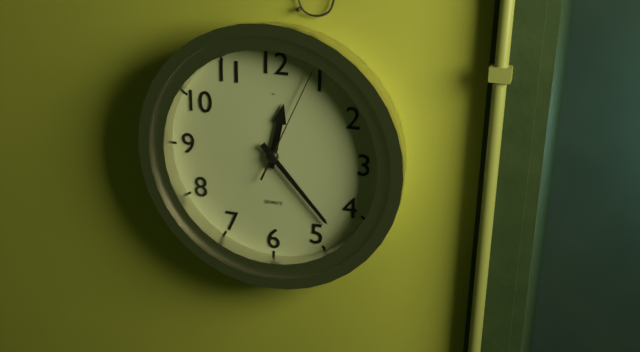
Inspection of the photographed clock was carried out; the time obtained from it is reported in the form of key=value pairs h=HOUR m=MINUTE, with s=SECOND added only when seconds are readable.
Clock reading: h=12 m=23 s=4
